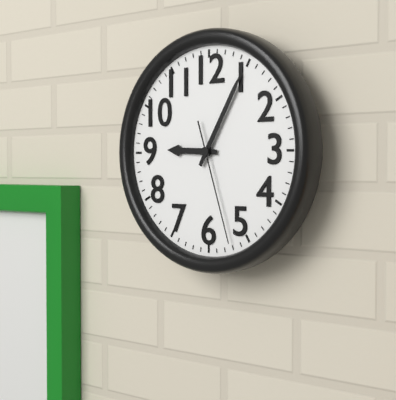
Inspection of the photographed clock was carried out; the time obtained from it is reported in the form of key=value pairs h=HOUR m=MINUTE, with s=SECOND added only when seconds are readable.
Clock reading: h=9 m=5 s=27
